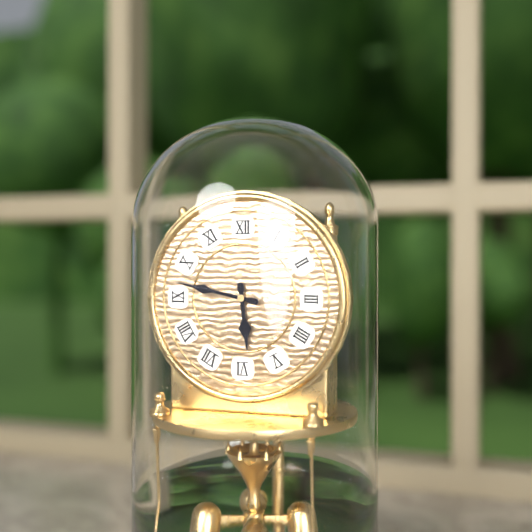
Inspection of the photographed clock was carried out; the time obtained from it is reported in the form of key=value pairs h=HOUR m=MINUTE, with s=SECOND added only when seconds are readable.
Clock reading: h=5 m=47
